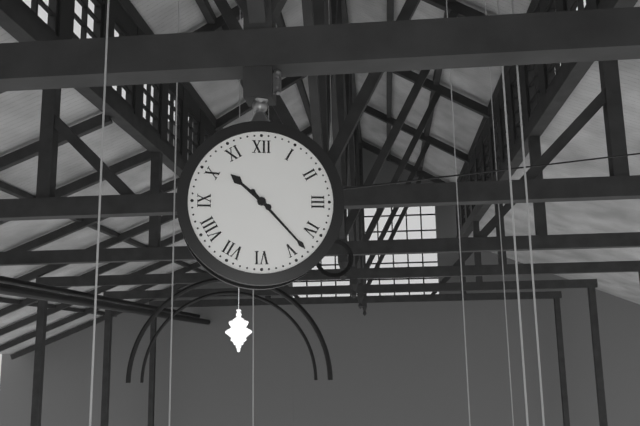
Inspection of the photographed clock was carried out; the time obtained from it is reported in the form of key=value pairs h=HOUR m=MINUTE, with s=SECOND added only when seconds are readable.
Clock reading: h=10 m=23
